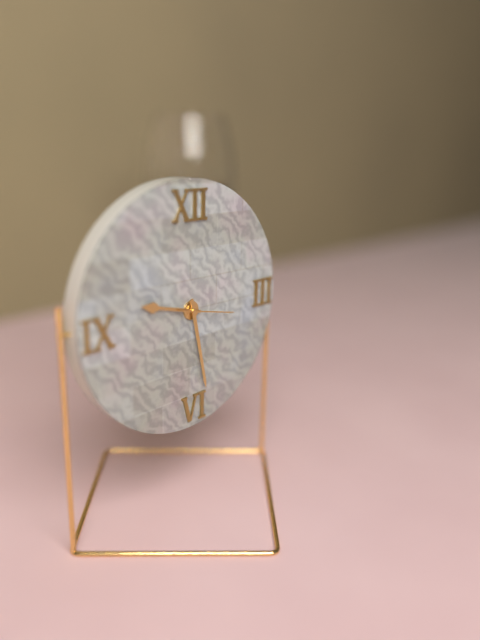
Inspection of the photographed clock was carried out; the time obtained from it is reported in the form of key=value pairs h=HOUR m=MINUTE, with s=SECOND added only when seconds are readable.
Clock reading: h=9 m=28 s=17
